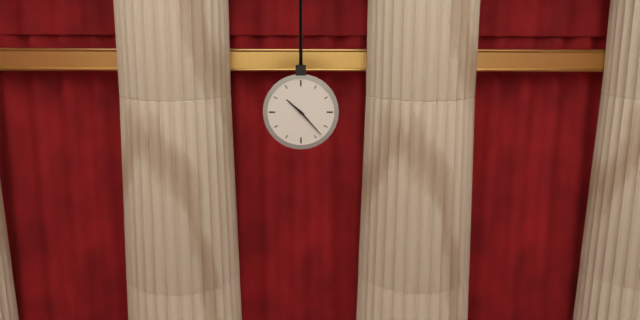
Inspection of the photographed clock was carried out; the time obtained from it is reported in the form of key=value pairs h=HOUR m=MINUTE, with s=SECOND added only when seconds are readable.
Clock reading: h=10 m=23
